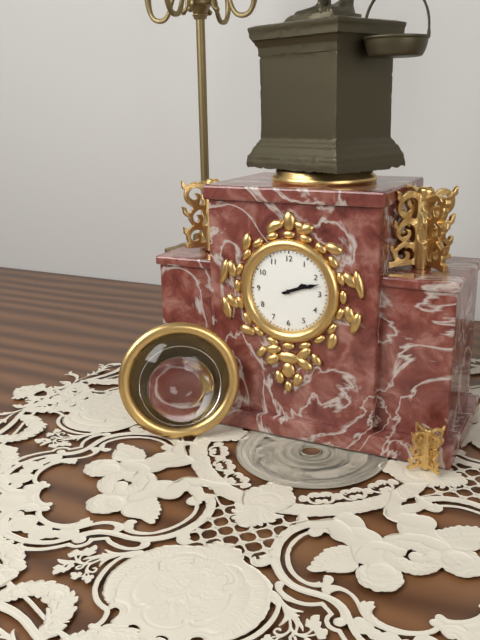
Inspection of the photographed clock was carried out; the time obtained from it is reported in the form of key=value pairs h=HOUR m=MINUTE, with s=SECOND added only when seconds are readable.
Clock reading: h=2 m=12
